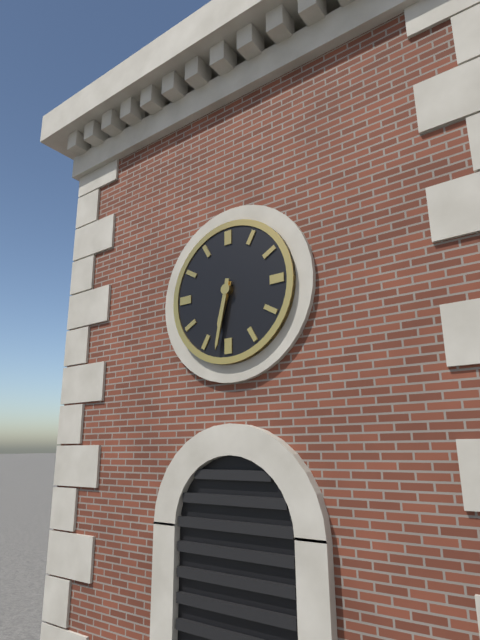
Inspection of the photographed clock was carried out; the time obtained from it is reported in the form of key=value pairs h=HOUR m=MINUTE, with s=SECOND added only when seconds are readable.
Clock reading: h=6 m=32
